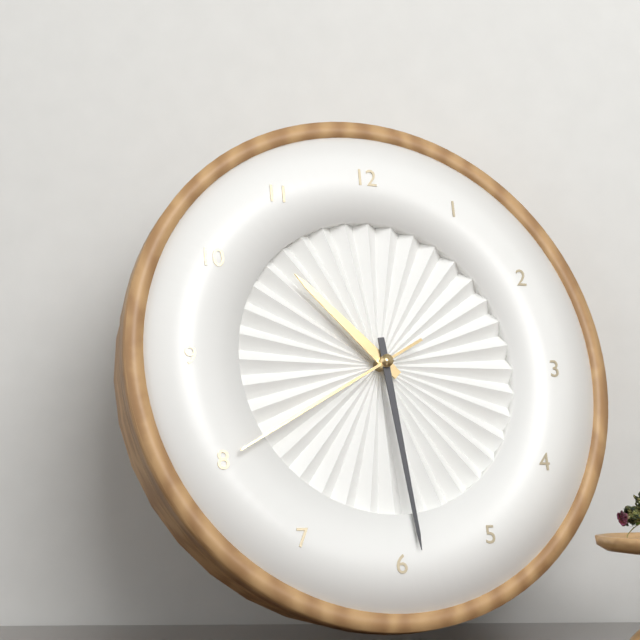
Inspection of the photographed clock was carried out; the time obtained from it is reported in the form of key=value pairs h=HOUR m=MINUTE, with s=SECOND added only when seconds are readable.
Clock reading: h=10 m=29 s=40
